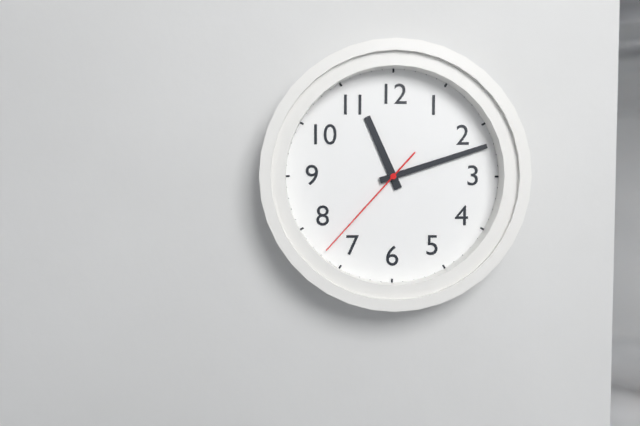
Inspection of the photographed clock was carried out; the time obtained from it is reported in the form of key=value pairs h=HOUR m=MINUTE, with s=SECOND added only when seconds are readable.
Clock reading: h=11 m=12 s=37
